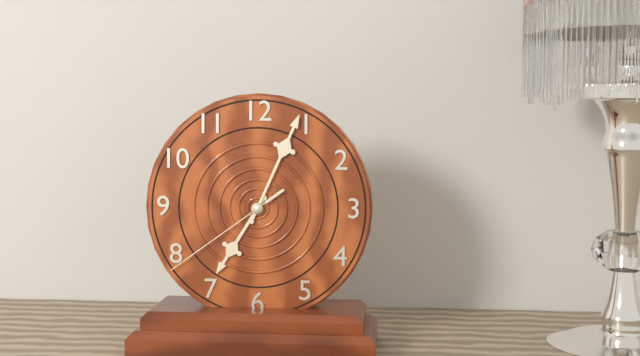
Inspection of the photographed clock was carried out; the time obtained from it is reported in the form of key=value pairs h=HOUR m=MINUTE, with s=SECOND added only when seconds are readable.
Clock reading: h=7 m=4 s=39
